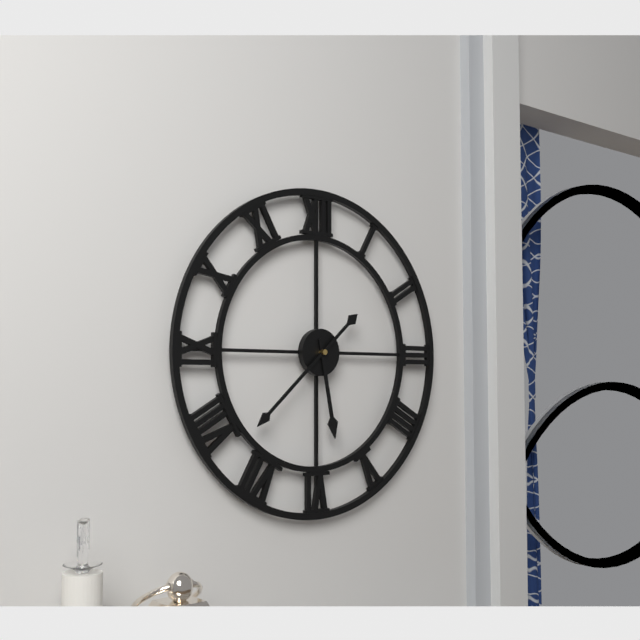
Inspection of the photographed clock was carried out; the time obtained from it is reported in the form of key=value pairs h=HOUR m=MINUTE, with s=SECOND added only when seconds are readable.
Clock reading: h=5 m=38
